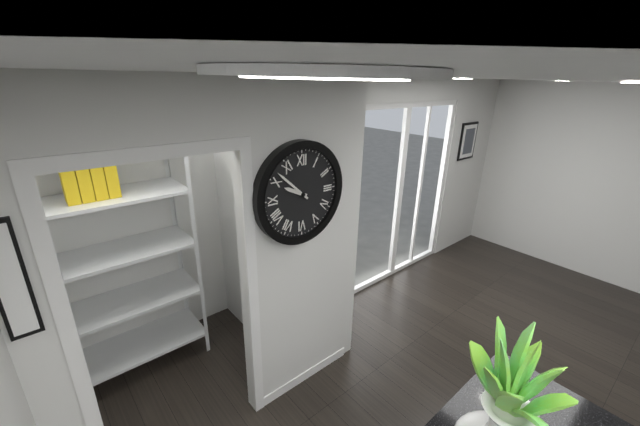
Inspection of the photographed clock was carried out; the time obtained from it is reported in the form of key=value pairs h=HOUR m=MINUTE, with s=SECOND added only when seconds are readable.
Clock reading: h=9 m=52
